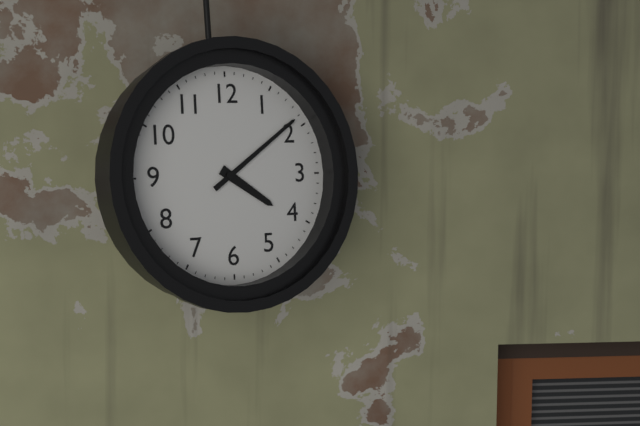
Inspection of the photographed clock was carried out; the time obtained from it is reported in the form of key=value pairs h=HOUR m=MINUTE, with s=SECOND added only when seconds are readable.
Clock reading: h=4 m=9
